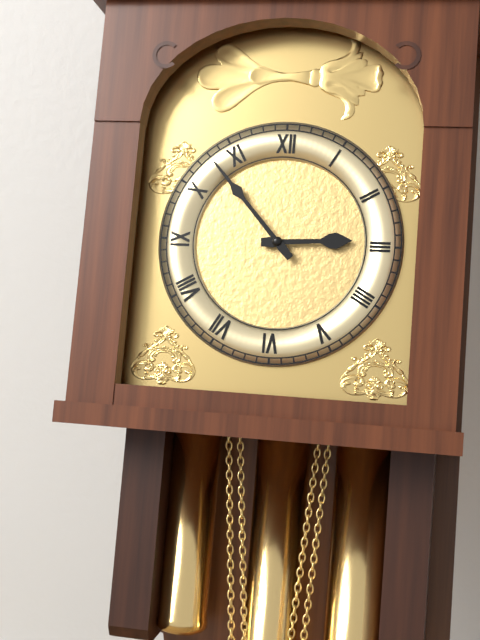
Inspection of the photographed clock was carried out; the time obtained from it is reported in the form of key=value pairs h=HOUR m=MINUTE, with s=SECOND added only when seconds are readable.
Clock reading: h=2 m=53
